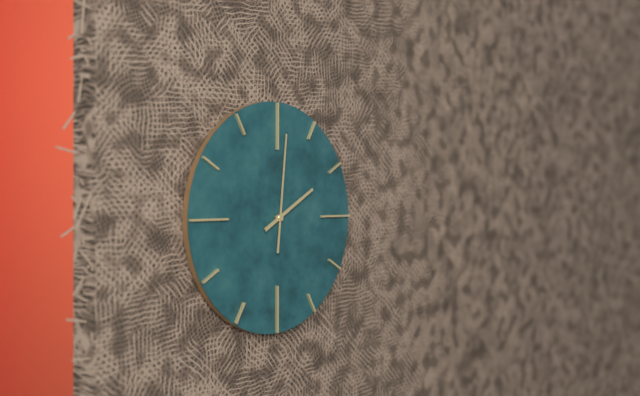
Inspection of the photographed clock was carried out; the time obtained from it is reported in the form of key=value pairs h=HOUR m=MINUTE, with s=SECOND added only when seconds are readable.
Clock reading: h=2 m=1
